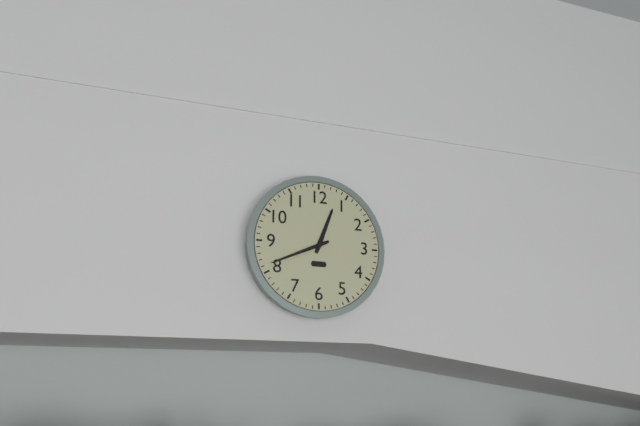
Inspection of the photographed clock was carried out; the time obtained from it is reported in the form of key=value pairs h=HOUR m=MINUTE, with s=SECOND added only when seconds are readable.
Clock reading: h=12 m=41
